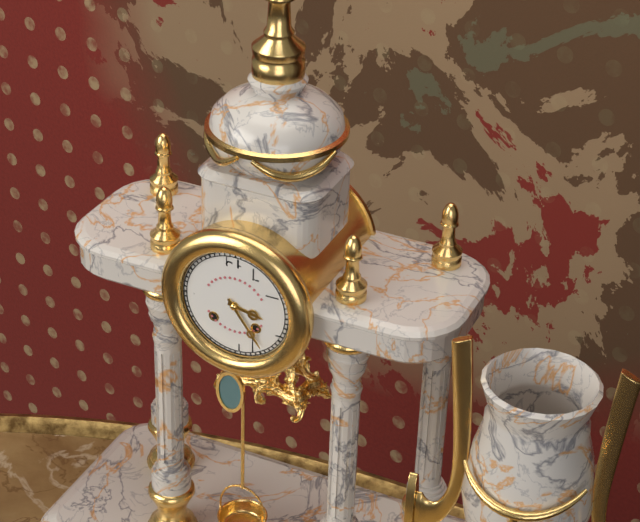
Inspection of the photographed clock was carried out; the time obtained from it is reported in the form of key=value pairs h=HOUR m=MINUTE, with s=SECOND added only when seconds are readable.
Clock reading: h=3 m=24
